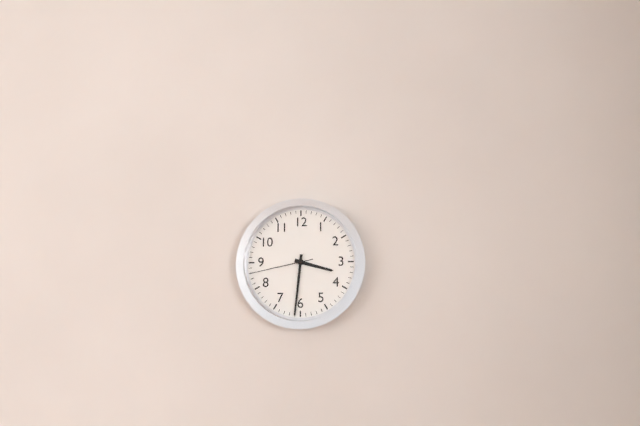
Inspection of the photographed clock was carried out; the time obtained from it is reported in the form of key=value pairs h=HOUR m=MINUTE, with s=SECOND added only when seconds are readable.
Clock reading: h=3 m=31 s=43
